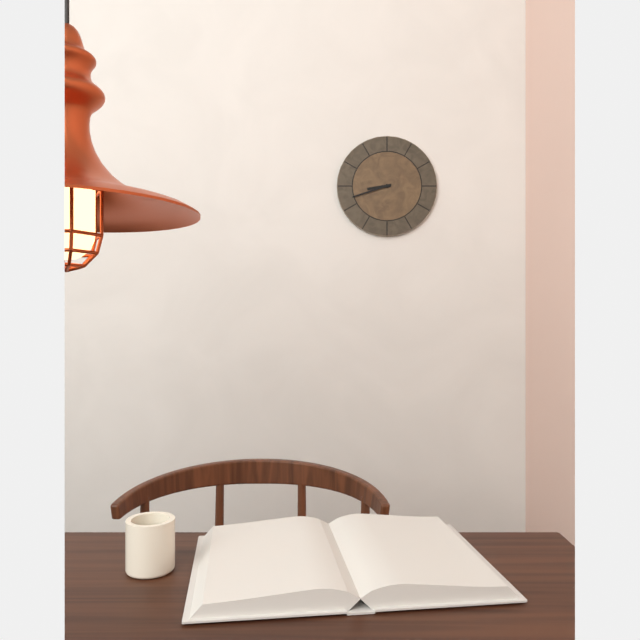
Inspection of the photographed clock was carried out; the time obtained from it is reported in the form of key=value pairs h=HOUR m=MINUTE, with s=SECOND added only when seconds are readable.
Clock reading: h=8 m=42
